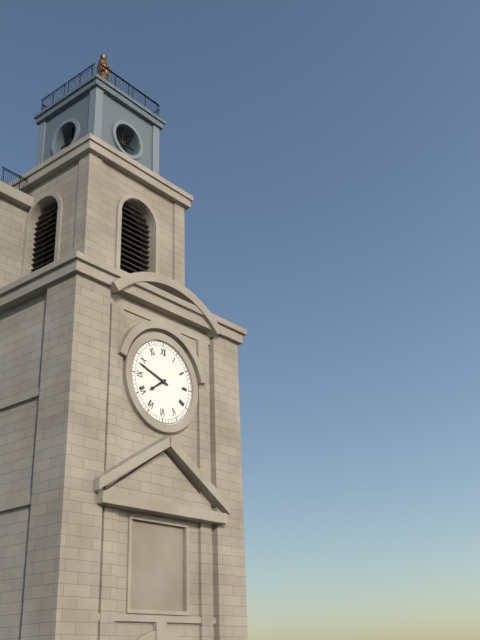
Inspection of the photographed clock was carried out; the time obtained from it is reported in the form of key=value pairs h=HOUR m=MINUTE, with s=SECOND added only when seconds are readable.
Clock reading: h=7 m=48
